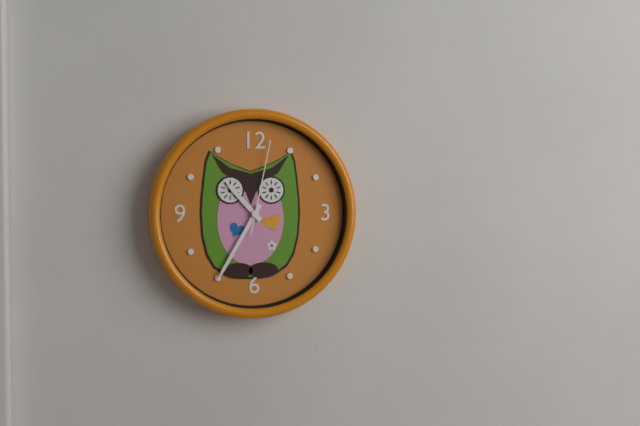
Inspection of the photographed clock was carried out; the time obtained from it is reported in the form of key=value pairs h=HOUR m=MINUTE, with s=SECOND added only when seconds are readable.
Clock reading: h=10 m=35 s=2
